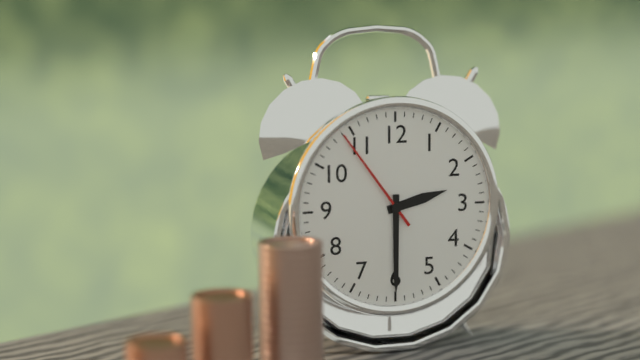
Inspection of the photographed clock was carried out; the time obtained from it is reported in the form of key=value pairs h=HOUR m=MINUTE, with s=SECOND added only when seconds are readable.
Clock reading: h=2 m=30 s=54
